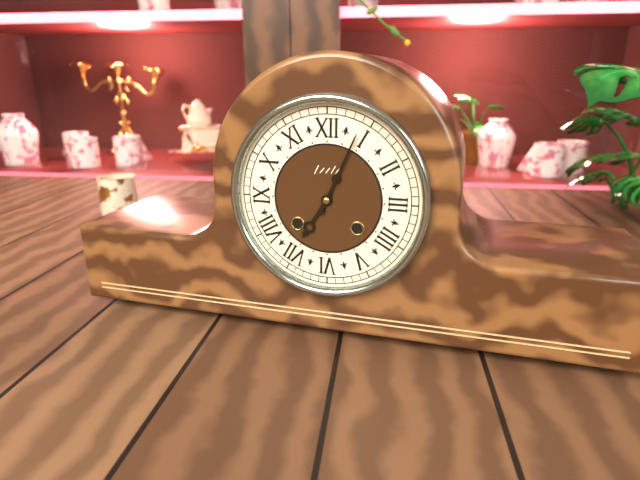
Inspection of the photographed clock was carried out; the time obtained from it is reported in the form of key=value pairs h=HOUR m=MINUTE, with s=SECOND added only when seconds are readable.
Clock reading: h=7 m=4
